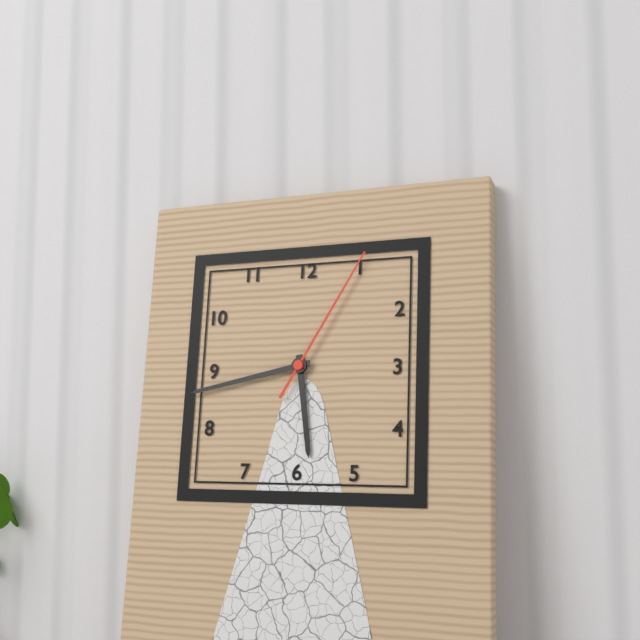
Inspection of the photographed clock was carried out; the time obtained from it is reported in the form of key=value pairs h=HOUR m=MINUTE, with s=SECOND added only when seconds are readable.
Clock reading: h=5 m=43 s=5
